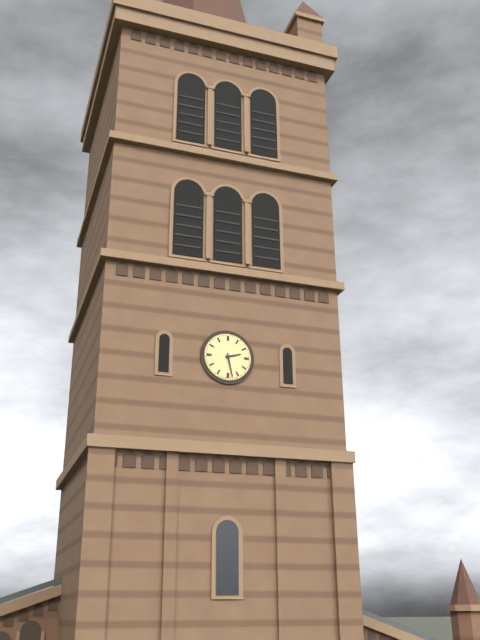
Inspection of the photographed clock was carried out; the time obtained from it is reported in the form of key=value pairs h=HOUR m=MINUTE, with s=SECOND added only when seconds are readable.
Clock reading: h=2 m=28
